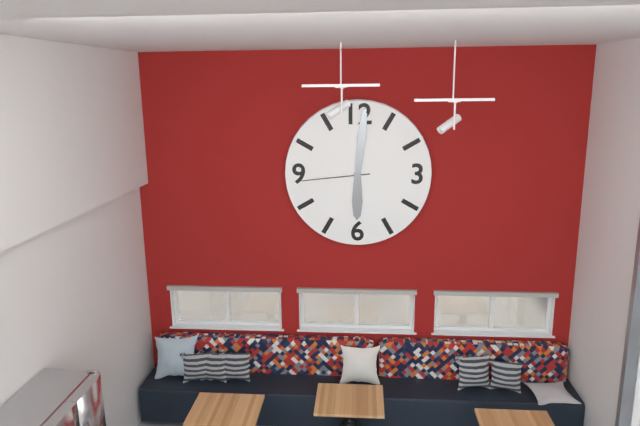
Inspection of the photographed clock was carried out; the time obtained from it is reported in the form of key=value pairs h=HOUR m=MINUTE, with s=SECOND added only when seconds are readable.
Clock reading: h=6 m=1 s=44
